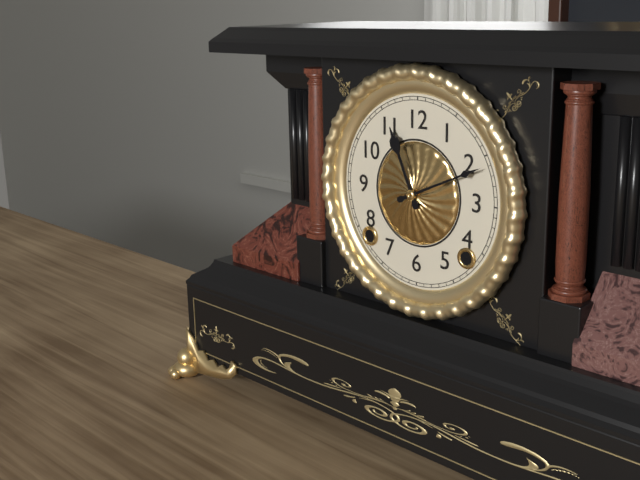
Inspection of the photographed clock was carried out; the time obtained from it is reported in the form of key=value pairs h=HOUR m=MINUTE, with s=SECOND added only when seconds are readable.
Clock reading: h=11 m=11
